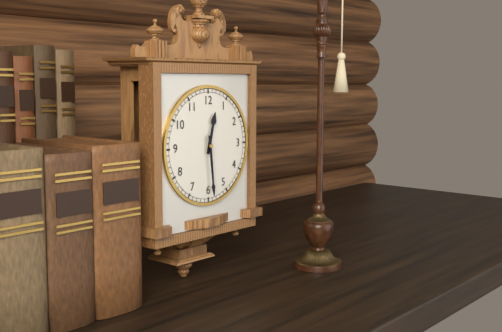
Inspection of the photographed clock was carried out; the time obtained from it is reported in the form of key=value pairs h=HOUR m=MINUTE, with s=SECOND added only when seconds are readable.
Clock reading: h=12 m=29
